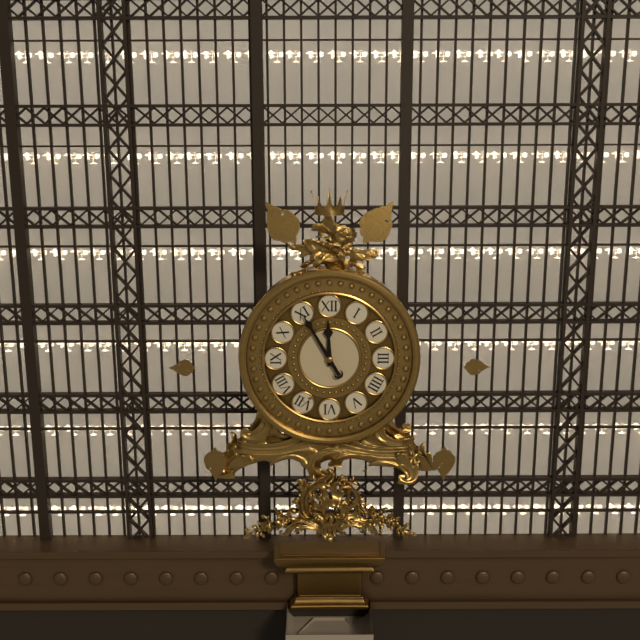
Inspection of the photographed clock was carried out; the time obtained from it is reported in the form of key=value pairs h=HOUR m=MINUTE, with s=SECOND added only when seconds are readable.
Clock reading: h=11 m=55
